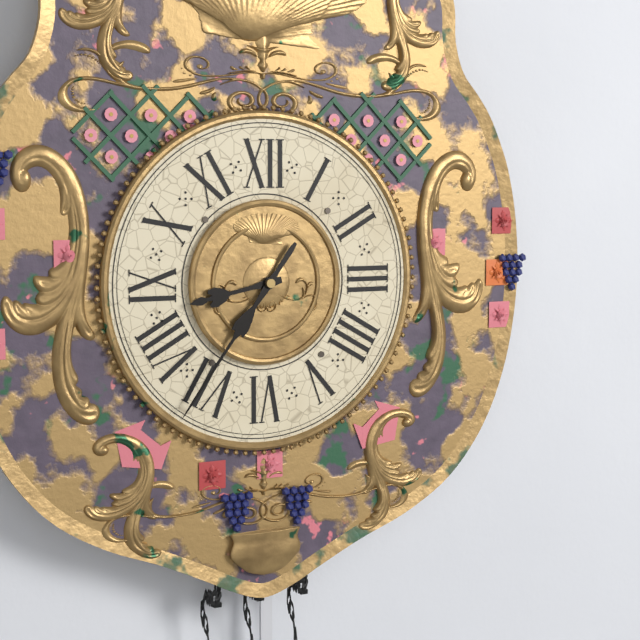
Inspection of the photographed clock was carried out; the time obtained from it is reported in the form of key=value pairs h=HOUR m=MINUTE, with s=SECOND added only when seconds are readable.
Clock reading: h=8 m=36
